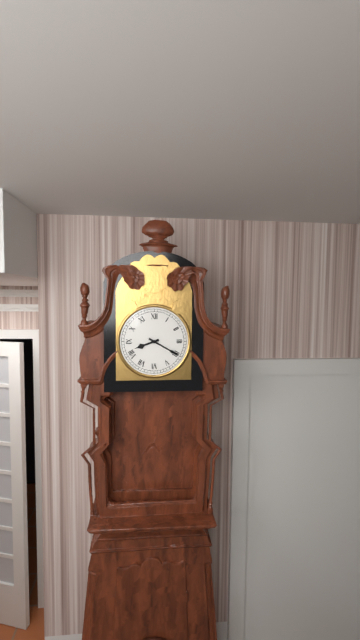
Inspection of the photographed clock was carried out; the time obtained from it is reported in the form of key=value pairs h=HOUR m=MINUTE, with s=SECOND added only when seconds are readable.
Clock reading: h=8 m=20
